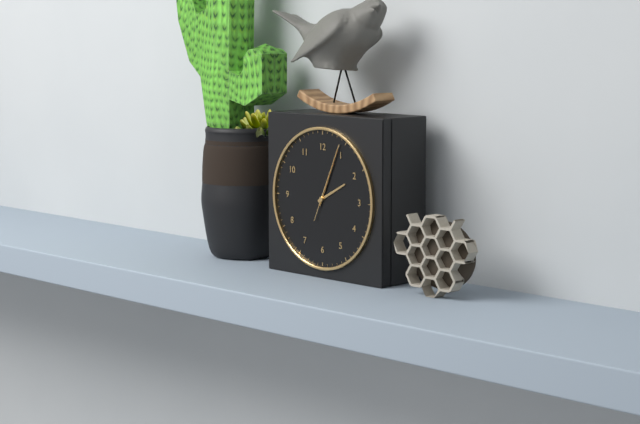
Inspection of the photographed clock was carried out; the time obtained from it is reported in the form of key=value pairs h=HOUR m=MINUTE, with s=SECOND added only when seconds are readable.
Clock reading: h=2 m=4 s=4
